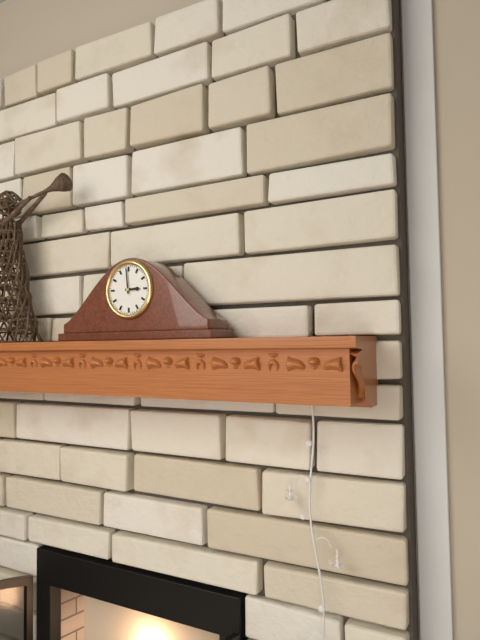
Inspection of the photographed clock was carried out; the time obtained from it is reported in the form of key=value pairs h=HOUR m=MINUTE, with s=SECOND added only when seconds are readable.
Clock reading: h=2 m=59
